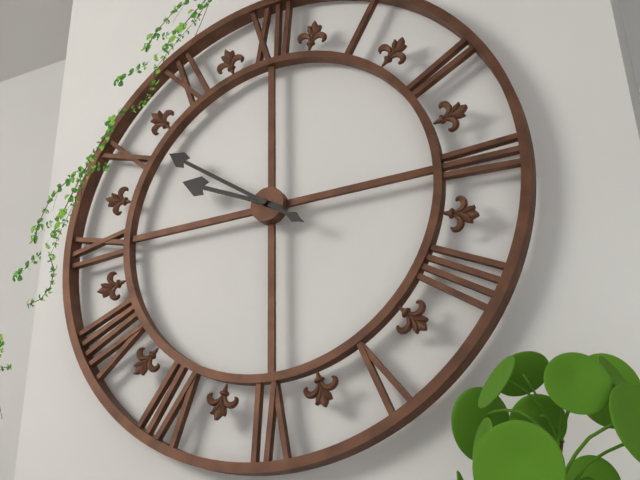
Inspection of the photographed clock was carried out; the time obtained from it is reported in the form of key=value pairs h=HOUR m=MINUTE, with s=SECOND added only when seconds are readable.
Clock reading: h=9 m=51
